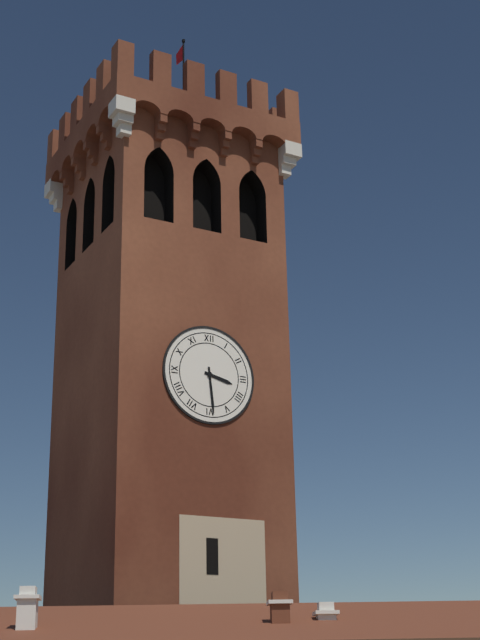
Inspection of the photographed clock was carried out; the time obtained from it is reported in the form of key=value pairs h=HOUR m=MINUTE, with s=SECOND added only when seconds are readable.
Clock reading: h=3 m=29
